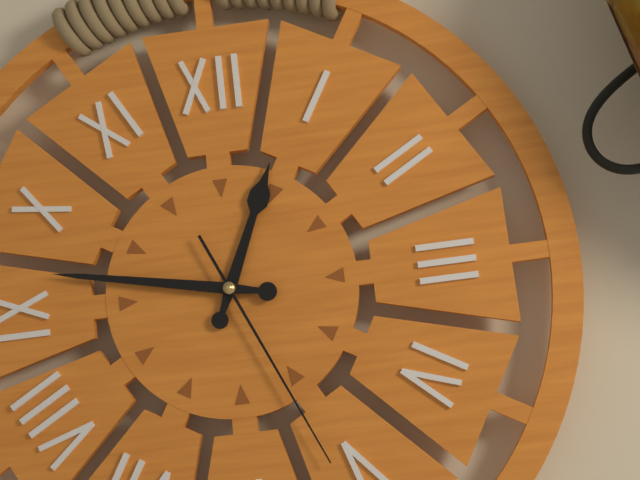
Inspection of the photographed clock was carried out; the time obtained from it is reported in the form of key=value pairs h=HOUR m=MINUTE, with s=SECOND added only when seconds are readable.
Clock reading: h=12 m=47 s=26
